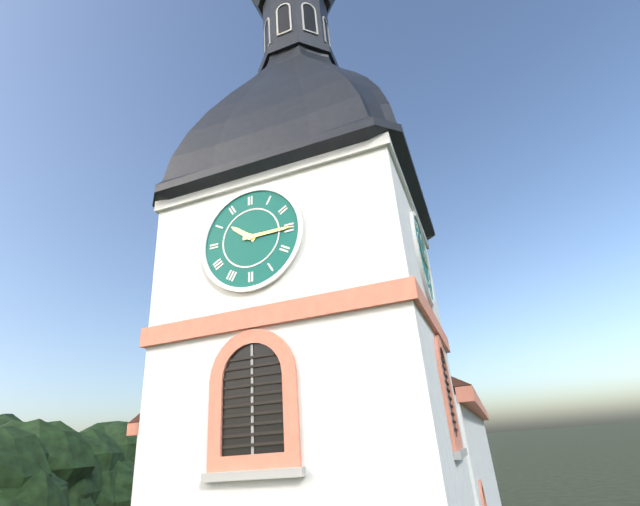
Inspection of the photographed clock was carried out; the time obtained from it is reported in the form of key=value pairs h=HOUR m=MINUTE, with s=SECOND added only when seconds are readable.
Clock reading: h=10 m=15
